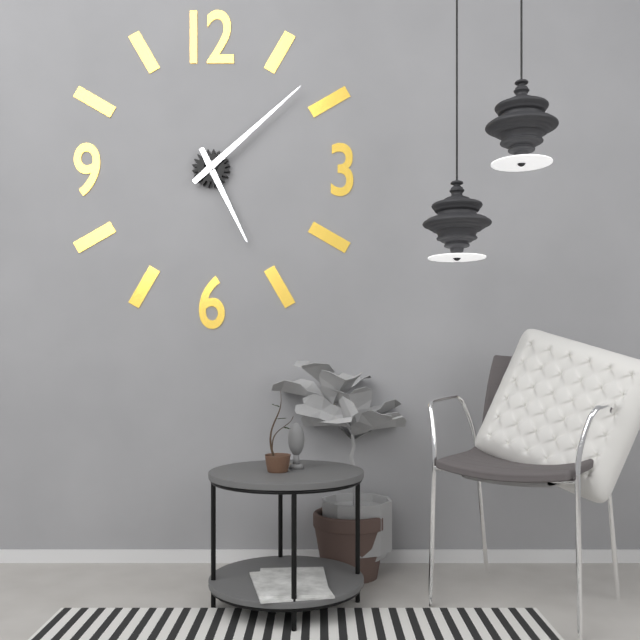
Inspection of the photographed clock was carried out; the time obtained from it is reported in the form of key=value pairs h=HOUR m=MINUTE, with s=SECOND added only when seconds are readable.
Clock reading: h=5 m=8
